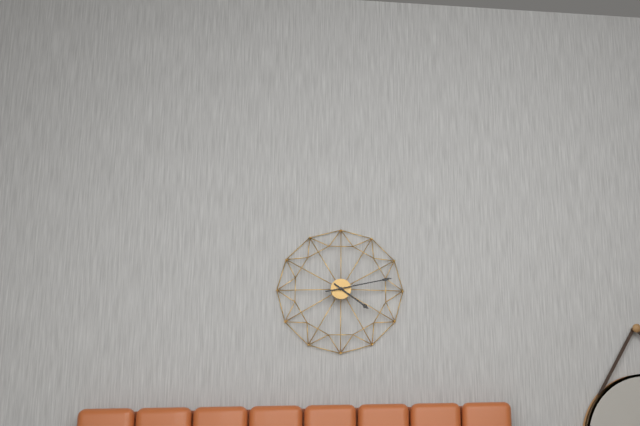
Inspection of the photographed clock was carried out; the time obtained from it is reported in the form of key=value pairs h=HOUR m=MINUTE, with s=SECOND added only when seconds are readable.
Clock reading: h=4 m=13
